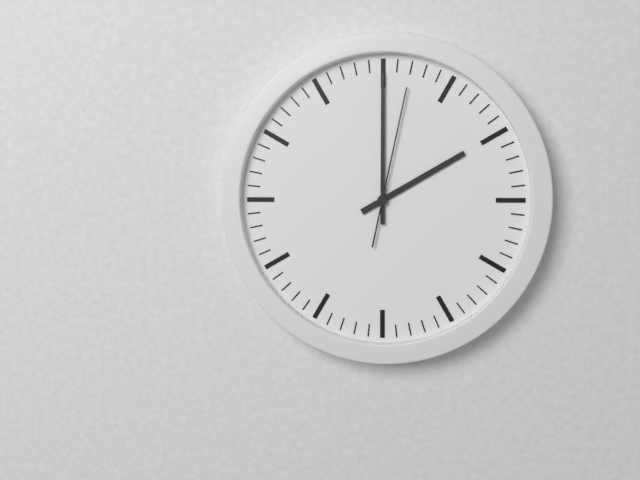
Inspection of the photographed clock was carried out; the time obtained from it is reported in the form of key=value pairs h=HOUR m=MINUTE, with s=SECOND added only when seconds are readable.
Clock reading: h=2 m=0 s=2
